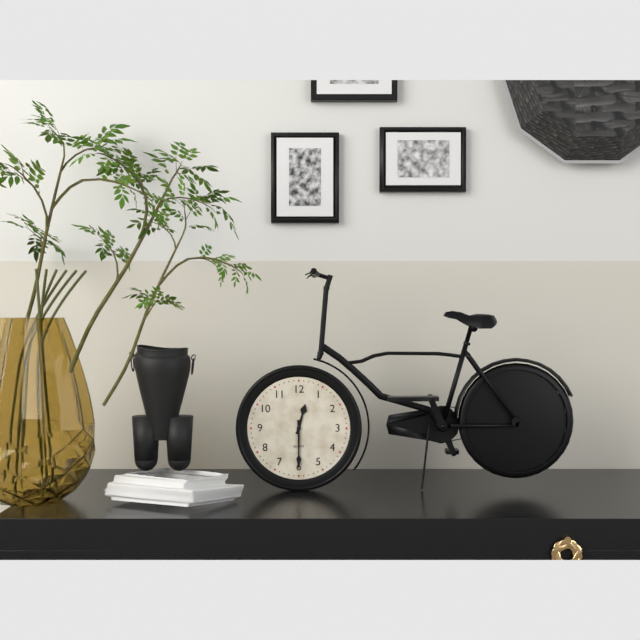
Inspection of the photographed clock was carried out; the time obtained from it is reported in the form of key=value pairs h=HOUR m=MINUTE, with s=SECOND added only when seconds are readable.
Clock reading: h=12 m=30
